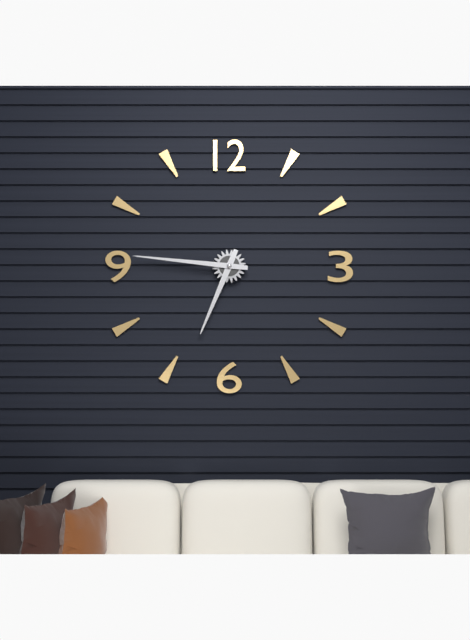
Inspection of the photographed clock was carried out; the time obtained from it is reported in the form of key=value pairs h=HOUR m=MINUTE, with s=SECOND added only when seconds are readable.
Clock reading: h=6 m=46
